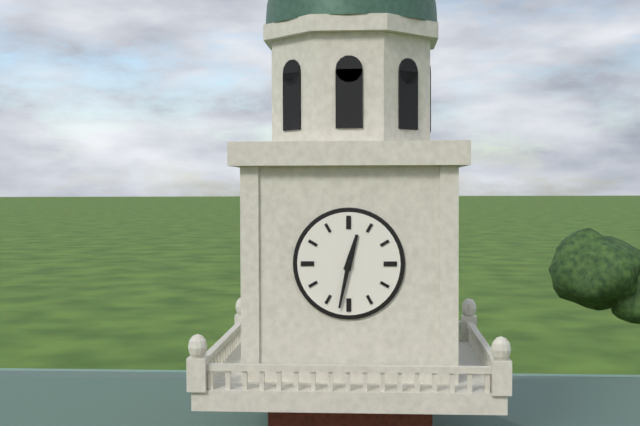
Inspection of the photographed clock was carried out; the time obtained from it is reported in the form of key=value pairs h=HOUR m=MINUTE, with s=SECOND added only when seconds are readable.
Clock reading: h=12 m=32
